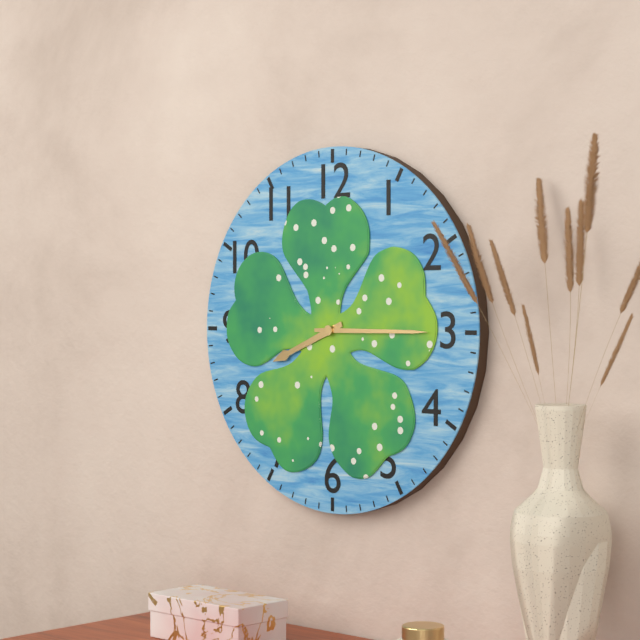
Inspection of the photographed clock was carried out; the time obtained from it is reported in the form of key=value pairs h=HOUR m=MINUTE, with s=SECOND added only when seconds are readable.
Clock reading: h=8 m=15
